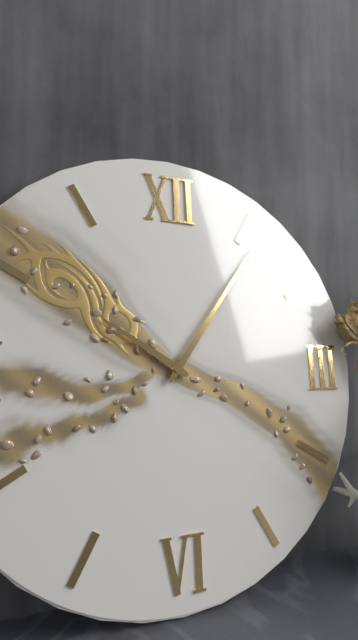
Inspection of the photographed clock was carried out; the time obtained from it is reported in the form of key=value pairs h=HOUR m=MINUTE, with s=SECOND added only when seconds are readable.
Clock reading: h=10 m=6
